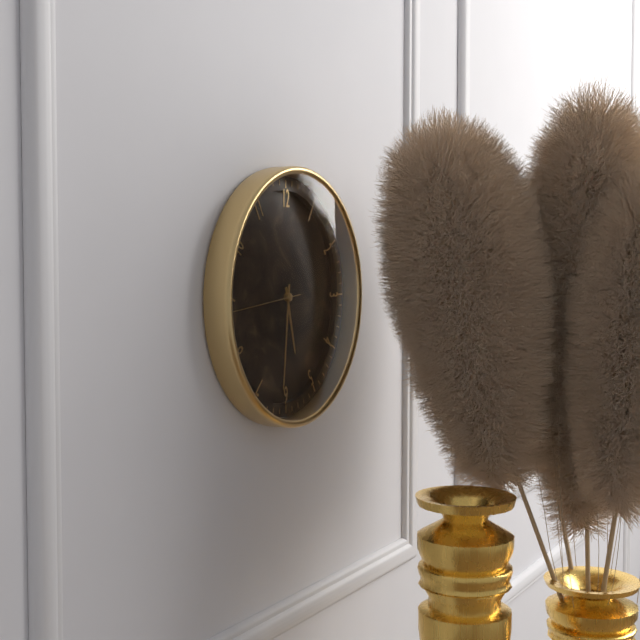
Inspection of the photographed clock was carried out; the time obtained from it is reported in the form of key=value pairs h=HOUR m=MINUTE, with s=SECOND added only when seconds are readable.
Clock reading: h=5 m=31 s=44
